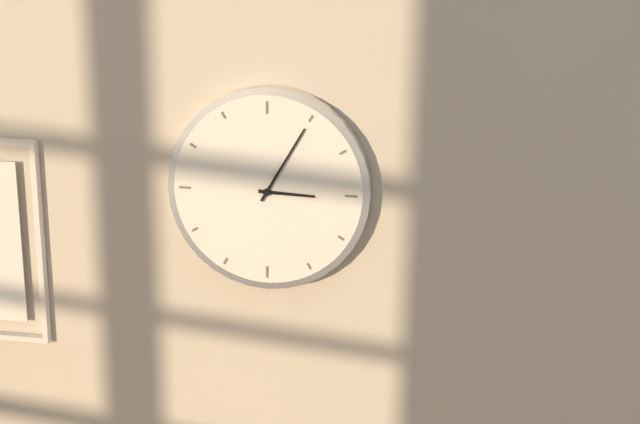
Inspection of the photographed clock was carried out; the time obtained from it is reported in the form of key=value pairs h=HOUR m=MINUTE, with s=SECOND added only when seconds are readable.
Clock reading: h=3 m=5
